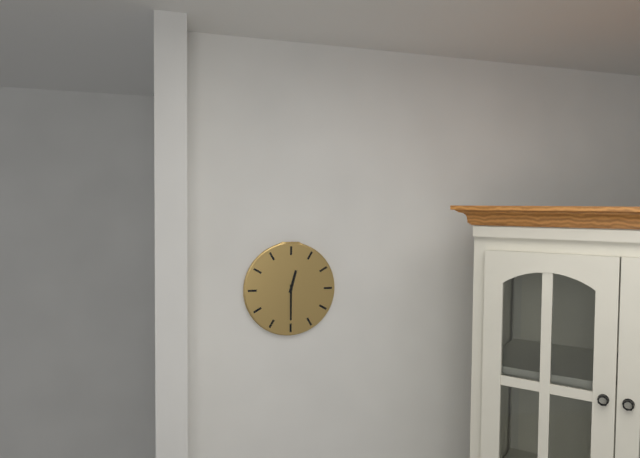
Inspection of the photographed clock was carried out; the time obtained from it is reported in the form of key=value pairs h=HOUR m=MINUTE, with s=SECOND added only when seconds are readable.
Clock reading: h=12 m=30
